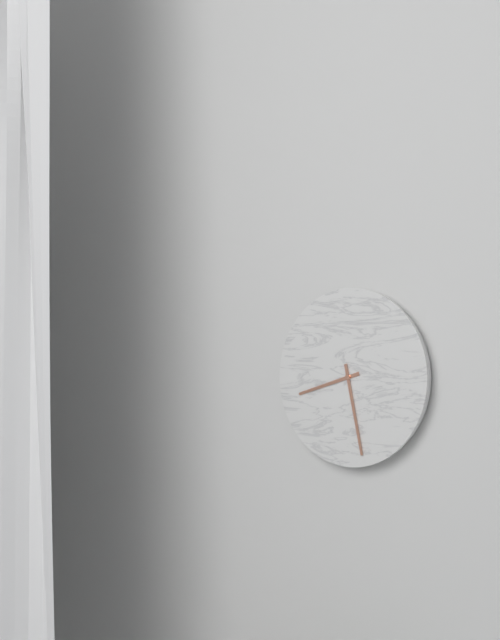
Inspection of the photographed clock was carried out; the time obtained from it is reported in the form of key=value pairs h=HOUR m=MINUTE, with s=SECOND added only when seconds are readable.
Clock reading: h=8 m=28
